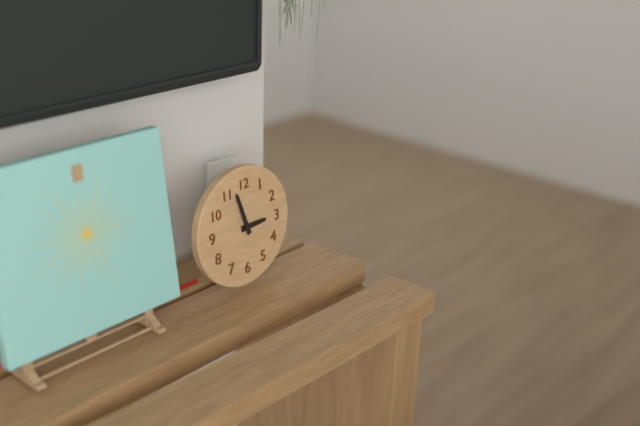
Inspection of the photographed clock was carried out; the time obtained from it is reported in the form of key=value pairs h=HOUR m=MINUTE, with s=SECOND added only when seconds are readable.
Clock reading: h=2 m=57
